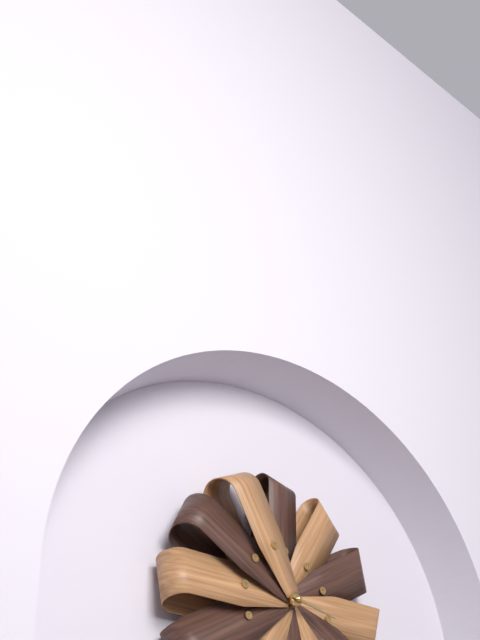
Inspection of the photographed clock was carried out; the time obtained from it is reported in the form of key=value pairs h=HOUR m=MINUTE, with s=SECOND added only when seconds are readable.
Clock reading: h=3 m=17
